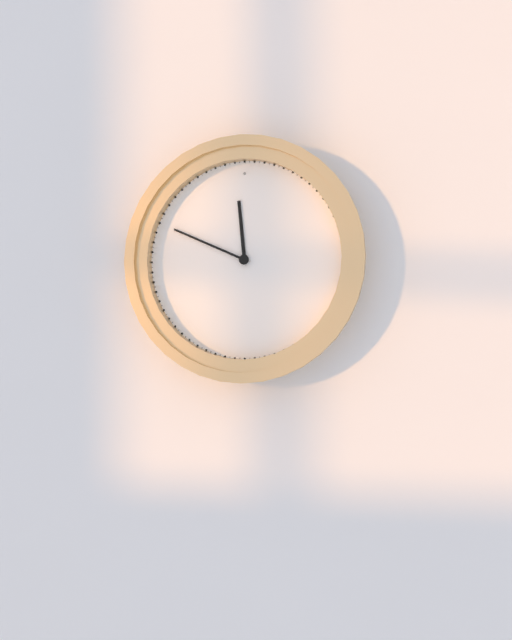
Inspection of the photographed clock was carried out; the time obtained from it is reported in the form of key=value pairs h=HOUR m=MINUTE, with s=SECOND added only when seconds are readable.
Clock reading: h=11 m=49
